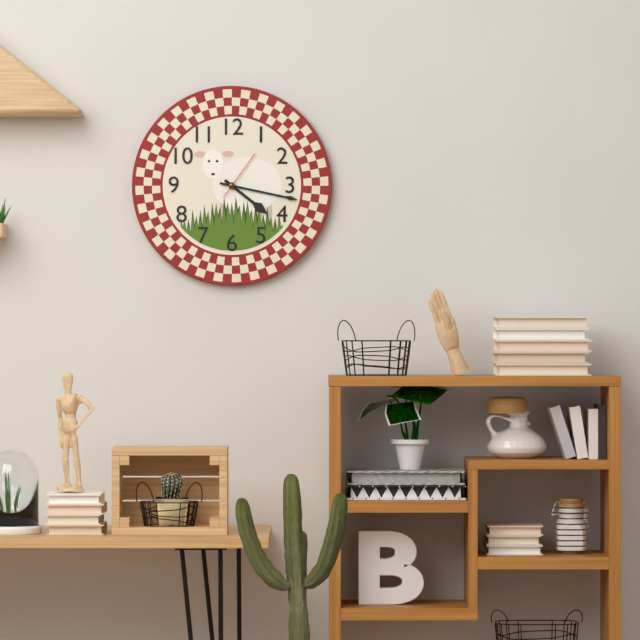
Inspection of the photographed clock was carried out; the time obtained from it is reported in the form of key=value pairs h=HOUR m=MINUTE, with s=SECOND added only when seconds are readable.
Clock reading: h=4 m=17
